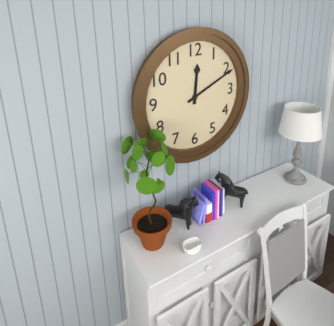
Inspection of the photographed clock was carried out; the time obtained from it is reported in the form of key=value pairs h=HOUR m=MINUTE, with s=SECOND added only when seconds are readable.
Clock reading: h=12 m=11
